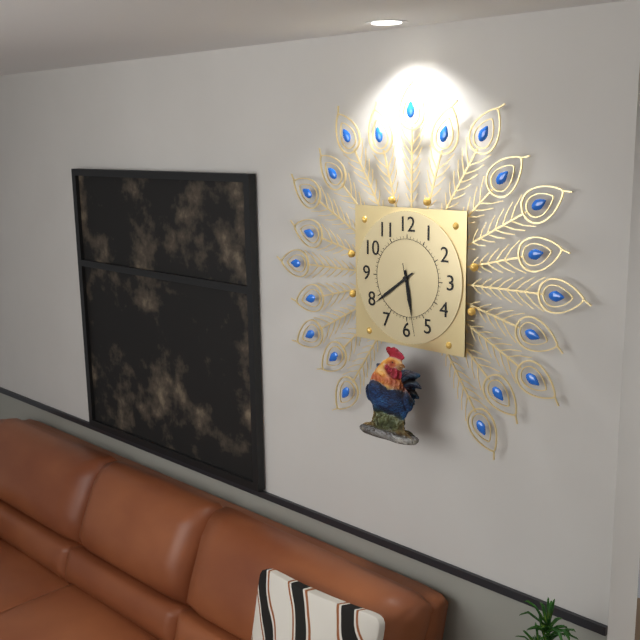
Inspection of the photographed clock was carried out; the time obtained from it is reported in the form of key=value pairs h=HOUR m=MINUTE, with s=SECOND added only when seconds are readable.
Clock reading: h=5 m=39 s=28
